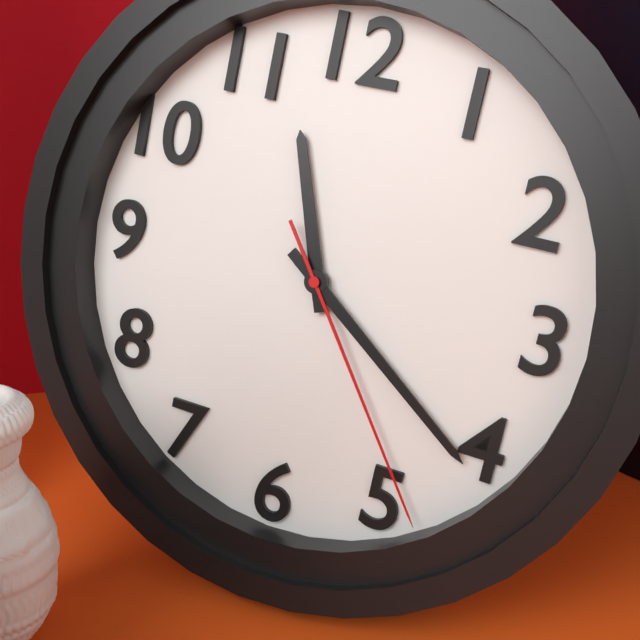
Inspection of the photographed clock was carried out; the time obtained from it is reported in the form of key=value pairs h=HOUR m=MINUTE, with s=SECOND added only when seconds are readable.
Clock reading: h=11 m=21 s=24
